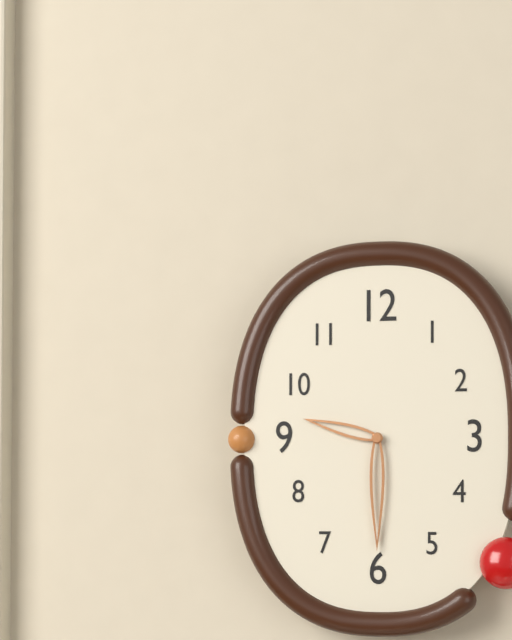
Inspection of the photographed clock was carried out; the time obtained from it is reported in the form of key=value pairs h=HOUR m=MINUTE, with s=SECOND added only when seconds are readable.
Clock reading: h=9 m=30
